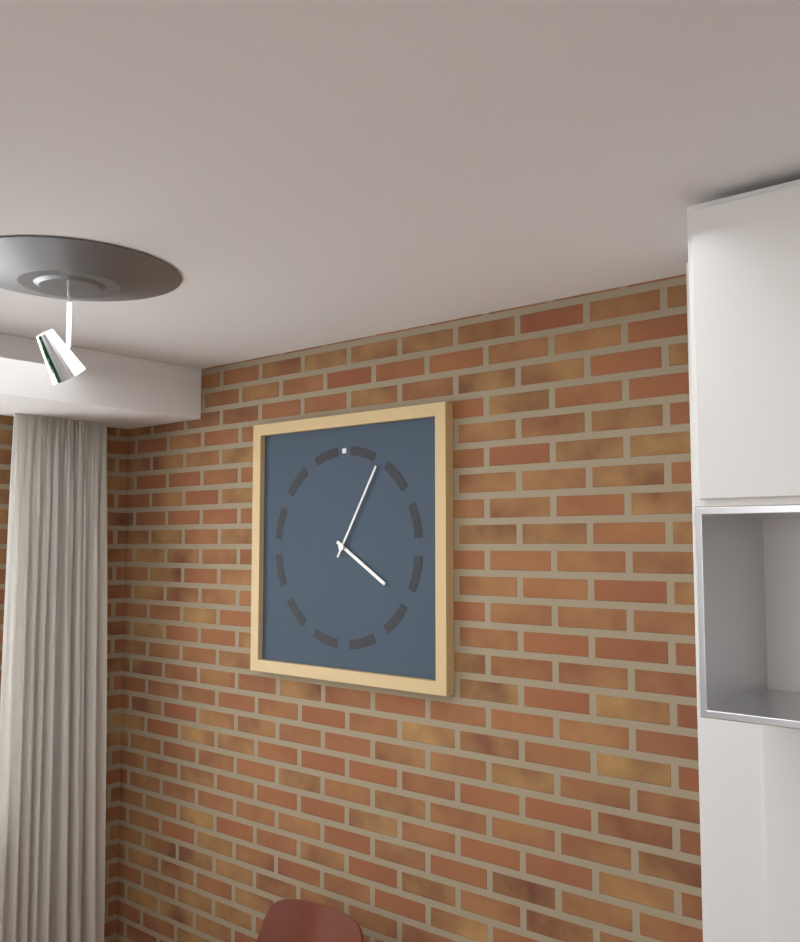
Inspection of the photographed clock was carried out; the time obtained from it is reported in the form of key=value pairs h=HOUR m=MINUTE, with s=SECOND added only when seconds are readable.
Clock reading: h=4 m=5
